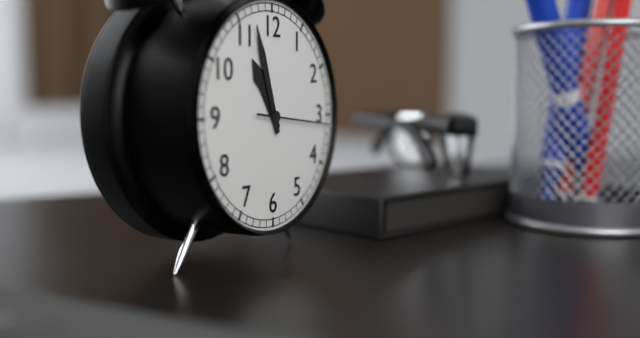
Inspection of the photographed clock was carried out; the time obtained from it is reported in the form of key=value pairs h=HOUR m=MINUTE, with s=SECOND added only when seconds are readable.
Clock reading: h=10 m=57 s=16
